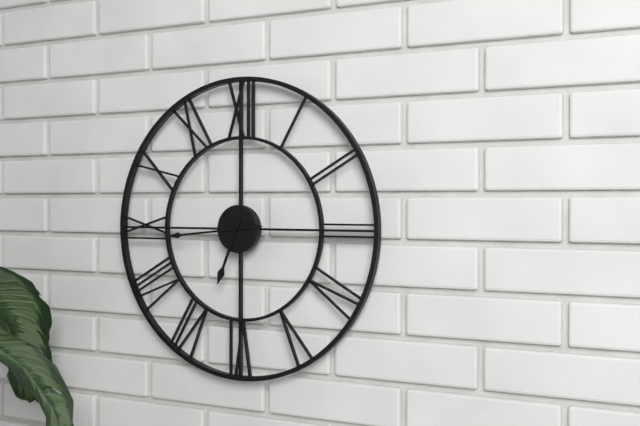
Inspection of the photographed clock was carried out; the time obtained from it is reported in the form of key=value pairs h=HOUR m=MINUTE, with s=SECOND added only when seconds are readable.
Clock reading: h=6 m=44
